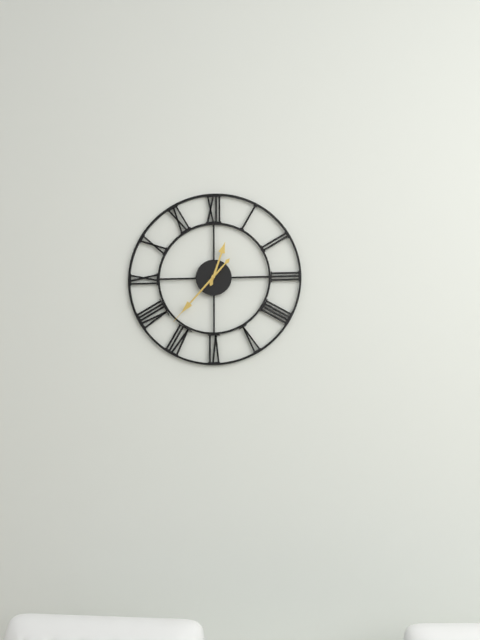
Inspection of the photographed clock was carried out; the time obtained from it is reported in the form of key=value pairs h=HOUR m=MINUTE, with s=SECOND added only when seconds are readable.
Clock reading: h=12 m=37
